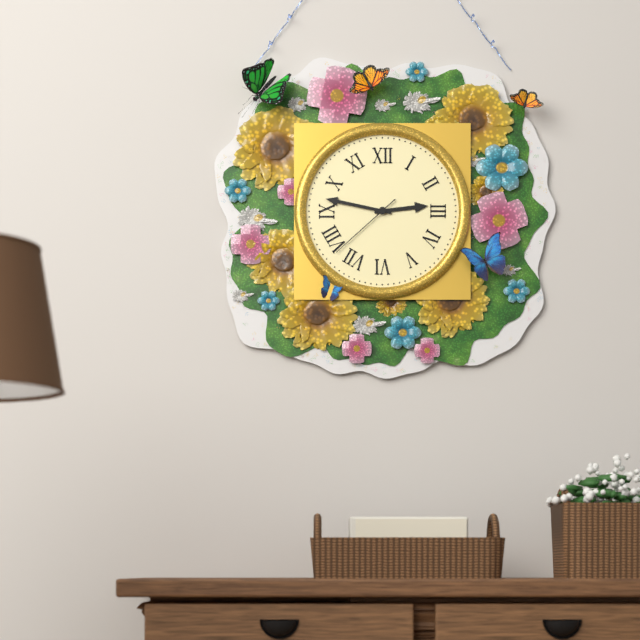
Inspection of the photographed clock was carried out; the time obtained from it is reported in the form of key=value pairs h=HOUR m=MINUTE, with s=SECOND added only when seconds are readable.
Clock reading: h=2 m=47 s=38
